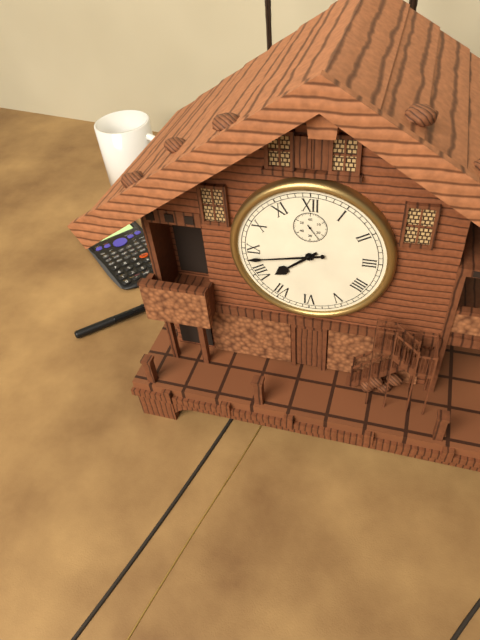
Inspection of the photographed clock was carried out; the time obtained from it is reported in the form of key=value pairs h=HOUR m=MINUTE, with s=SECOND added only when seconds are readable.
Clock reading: h=7 m=43
